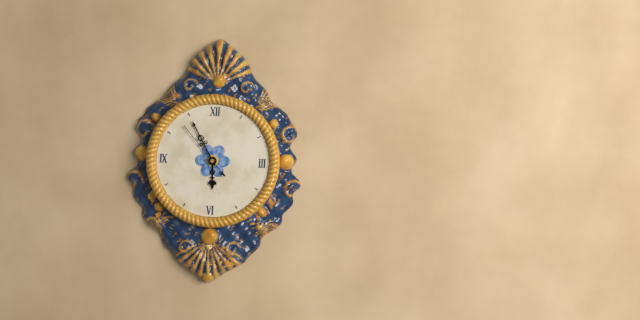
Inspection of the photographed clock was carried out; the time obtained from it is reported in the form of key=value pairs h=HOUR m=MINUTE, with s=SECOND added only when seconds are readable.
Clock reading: h=5 m=55 s=53
